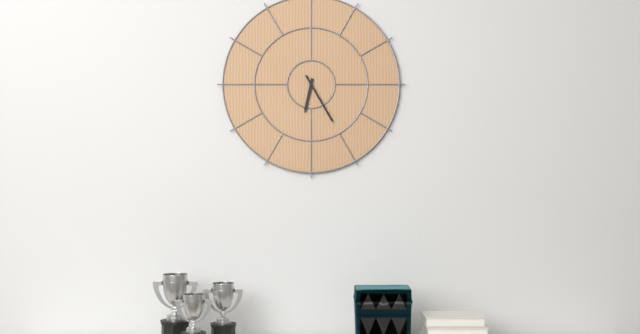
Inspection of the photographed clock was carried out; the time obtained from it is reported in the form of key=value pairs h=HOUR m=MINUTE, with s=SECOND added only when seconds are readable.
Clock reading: h=6 m=25
